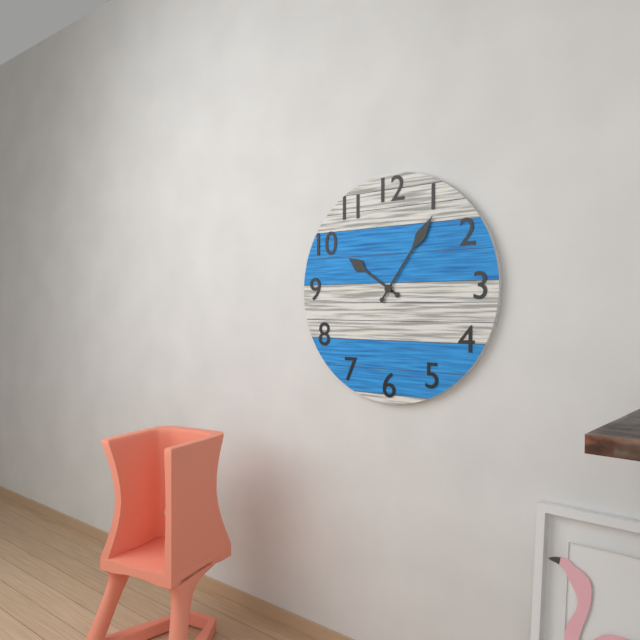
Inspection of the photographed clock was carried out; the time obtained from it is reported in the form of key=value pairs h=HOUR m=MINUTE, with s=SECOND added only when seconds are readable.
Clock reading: h=10 m=6
